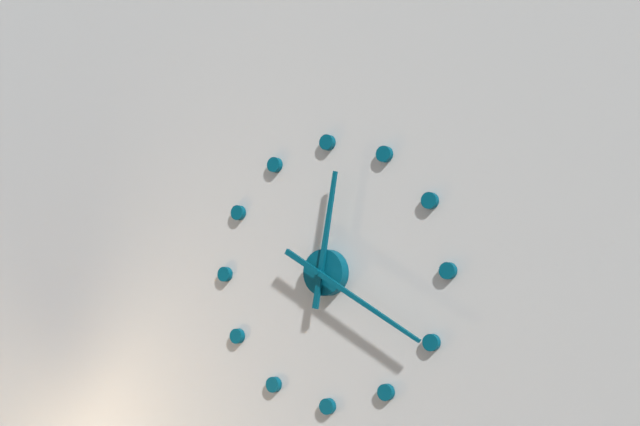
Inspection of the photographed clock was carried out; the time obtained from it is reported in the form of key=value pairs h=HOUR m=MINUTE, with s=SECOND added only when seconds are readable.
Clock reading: h=12 m=20
